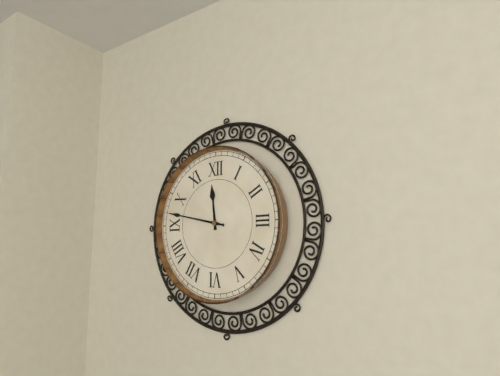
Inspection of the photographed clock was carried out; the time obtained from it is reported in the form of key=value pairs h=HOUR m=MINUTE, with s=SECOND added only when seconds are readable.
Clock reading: h=11 m=47
